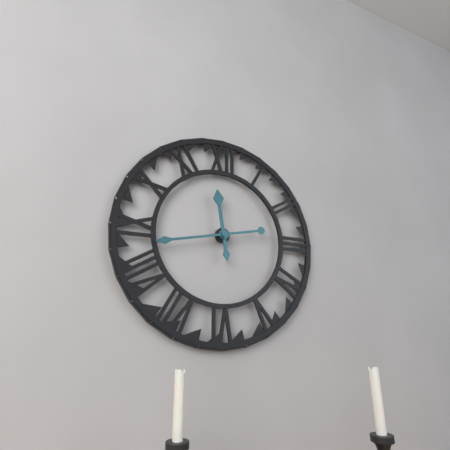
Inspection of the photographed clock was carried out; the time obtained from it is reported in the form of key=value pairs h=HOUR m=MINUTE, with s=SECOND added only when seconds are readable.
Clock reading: h=11 m=43
